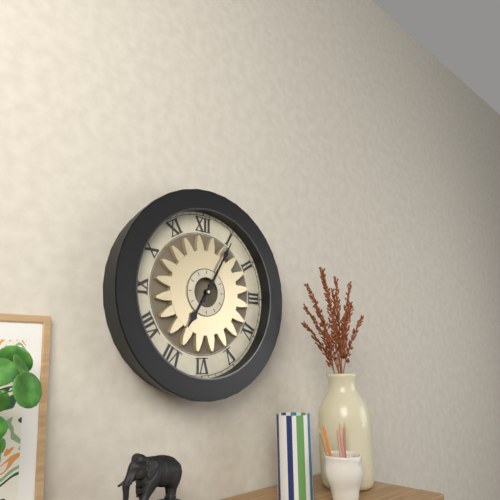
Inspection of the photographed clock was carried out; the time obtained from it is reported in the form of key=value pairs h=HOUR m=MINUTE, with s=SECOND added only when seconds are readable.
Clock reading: h=7 m=5
